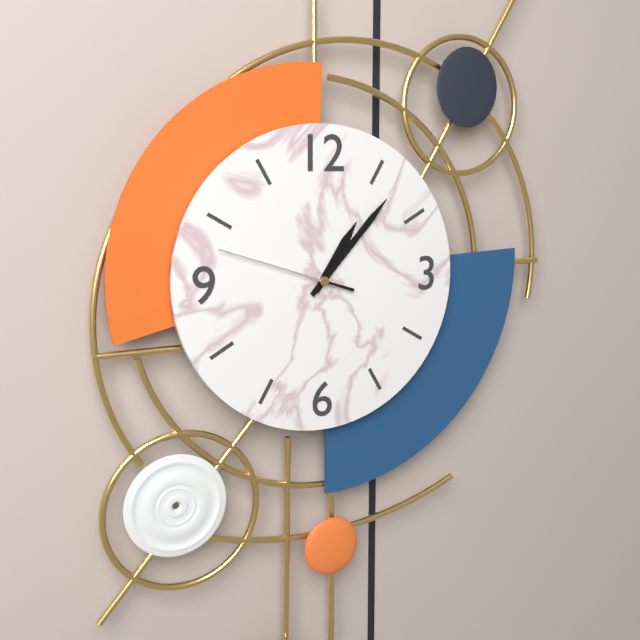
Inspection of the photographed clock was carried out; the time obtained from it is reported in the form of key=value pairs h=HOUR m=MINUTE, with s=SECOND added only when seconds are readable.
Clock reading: h=1 m=7 s=48
